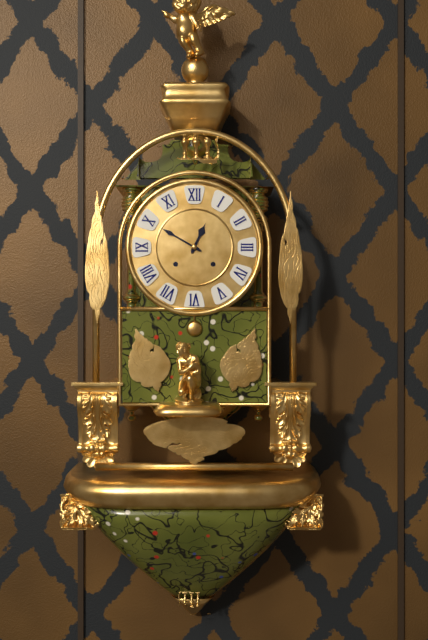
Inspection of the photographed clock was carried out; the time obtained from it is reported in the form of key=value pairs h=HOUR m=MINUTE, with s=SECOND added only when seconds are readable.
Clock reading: h=12 m=50
